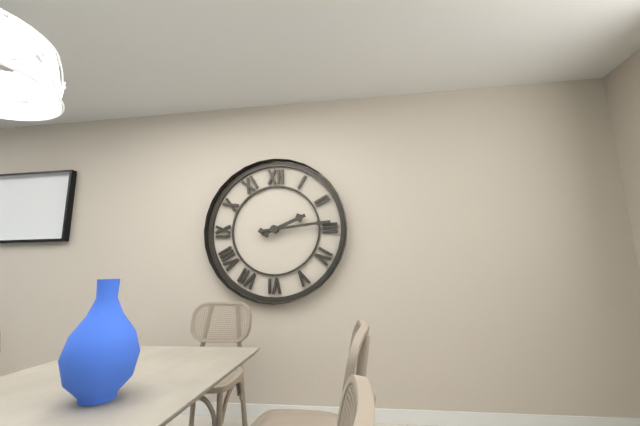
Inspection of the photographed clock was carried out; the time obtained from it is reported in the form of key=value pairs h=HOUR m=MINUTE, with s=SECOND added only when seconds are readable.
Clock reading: h=2 m=14
